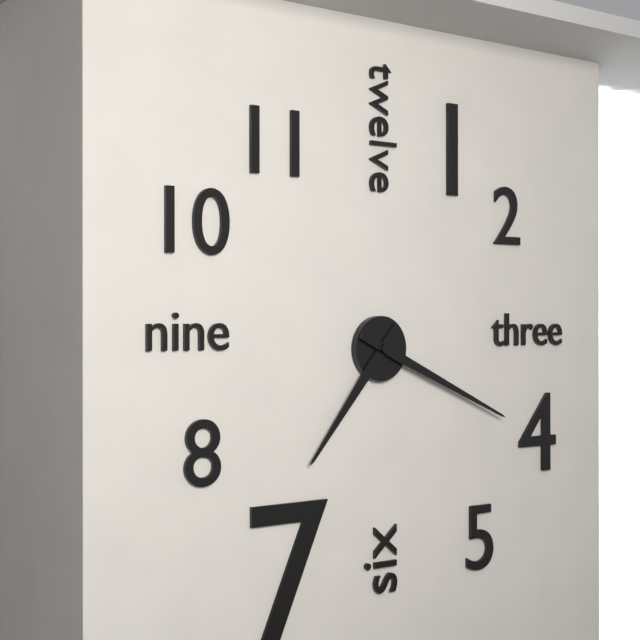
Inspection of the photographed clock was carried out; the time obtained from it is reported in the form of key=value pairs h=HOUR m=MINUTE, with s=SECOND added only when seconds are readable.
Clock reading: h=7 m=19
